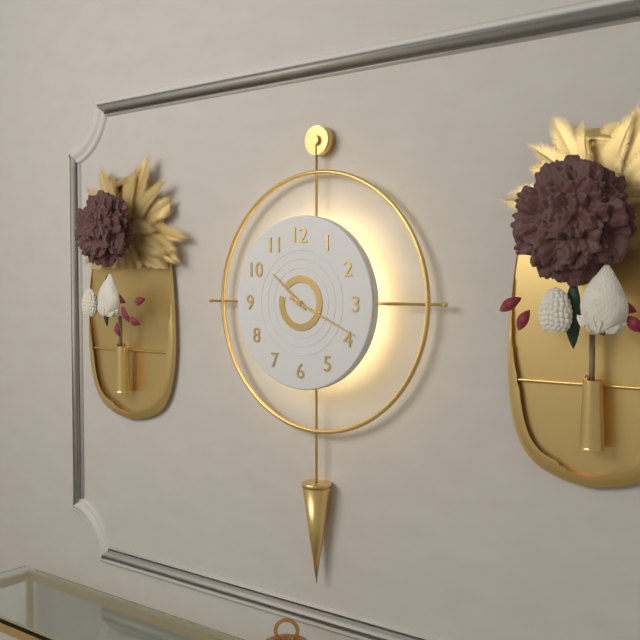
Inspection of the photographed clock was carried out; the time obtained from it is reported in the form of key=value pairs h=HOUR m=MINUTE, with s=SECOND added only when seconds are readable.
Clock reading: h=10 m=19
